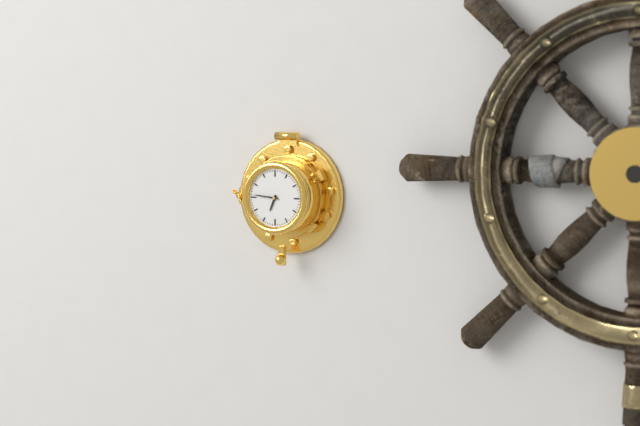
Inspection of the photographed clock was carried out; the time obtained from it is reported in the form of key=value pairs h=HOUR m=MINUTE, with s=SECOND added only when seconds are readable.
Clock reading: h=6 m=46
